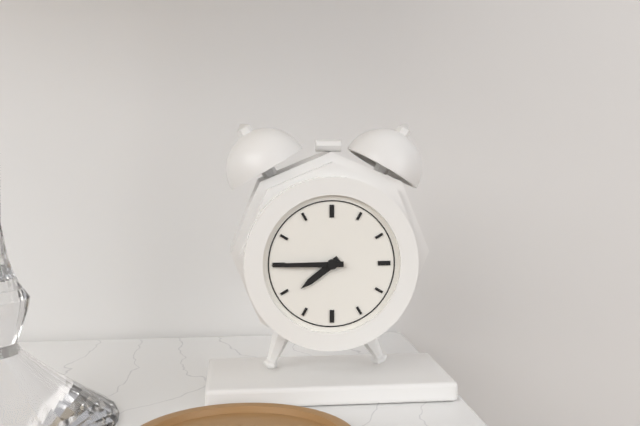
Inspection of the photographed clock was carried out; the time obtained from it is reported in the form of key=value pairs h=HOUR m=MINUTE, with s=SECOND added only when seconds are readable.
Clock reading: h=7 m=45
